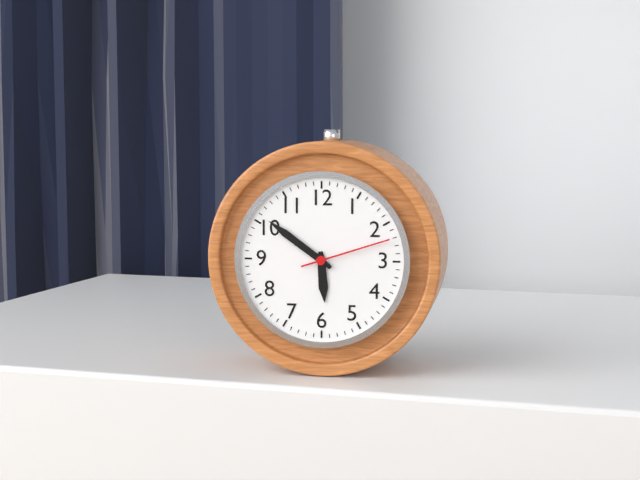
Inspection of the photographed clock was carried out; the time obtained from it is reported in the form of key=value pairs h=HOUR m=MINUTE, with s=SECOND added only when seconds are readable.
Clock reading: h=5 m=51 s=12
